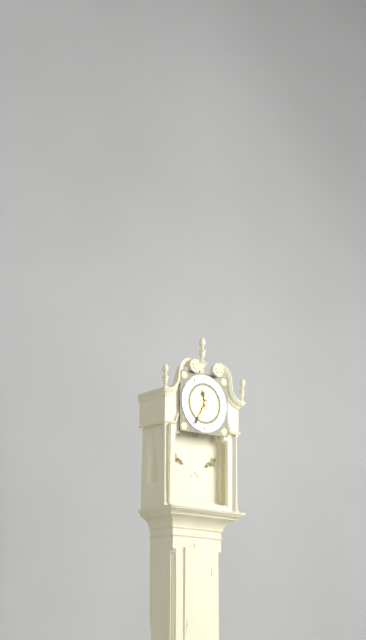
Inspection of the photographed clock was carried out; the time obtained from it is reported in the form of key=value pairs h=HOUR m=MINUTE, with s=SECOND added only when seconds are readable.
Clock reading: h=11 m=35
